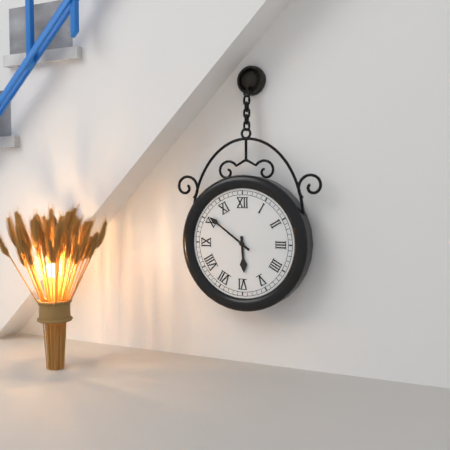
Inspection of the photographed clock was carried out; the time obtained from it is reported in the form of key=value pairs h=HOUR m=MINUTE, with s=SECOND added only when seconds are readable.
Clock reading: h=5 m=51
